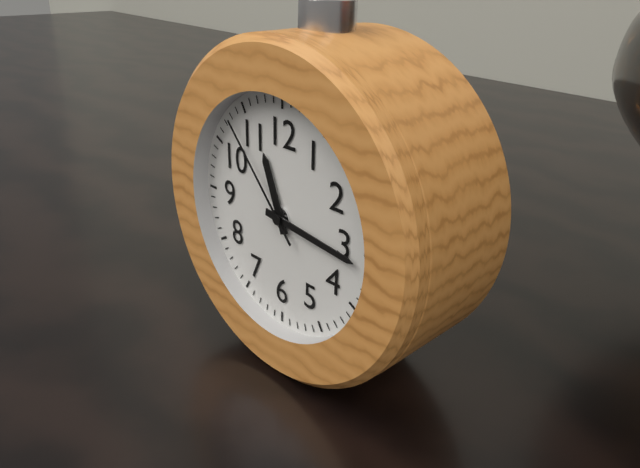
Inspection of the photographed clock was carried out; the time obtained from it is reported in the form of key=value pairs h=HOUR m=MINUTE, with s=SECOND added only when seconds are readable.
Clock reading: h=11 m=16 s=53
